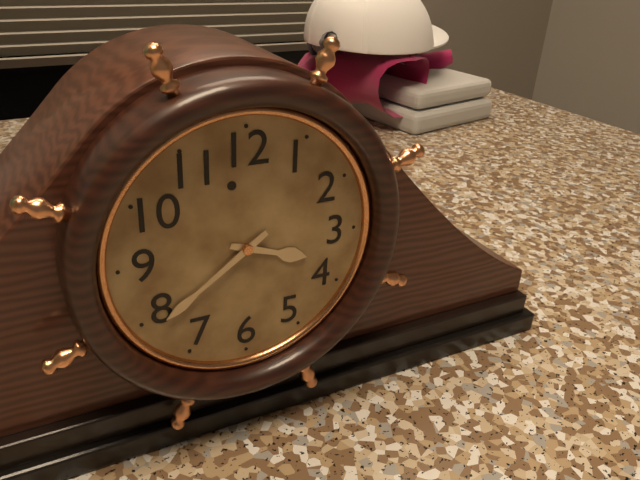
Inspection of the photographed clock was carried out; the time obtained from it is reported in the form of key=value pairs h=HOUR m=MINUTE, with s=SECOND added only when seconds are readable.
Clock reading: h=3 m=39
